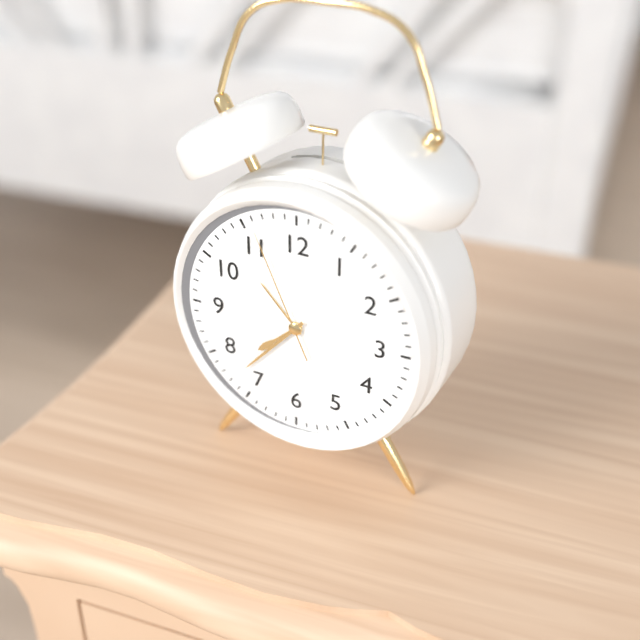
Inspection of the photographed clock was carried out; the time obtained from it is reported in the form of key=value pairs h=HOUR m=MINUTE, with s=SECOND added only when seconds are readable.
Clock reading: h=7 m=37 s=56
